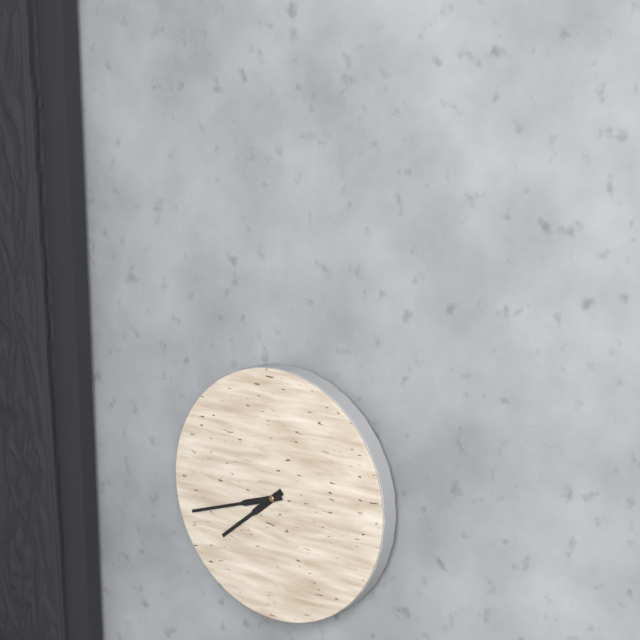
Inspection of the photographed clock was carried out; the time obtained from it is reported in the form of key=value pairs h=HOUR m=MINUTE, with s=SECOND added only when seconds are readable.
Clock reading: h=7 m=42
